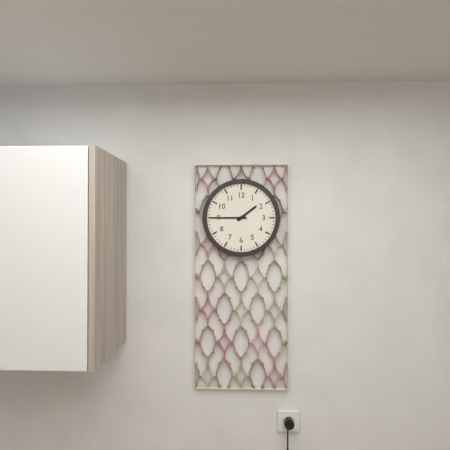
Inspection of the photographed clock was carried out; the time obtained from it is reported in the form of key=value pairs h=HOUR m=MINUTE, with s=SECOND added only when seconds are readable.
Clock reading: h=1 m=45
